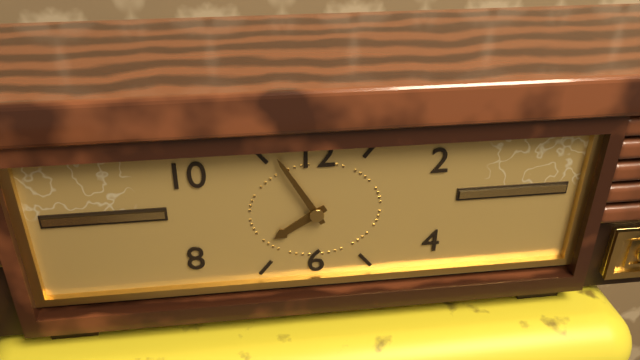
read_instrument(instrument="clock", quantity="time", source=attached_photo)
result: 7:55
